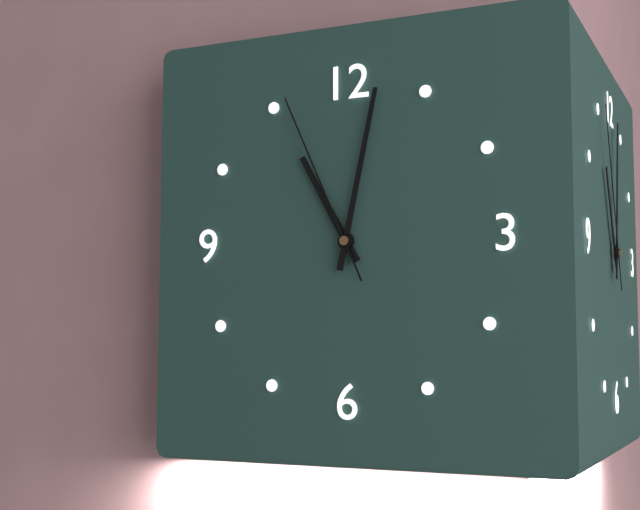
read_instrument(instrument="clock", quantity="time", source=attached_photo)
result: 11:02:56
